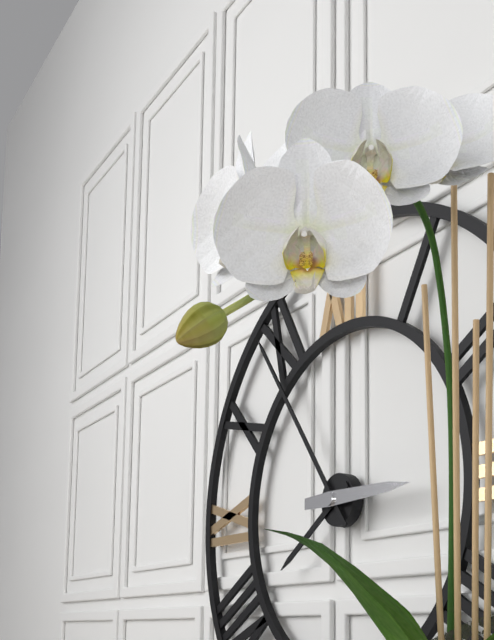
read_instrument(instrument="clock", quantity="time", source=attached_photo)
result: 7:54:15
